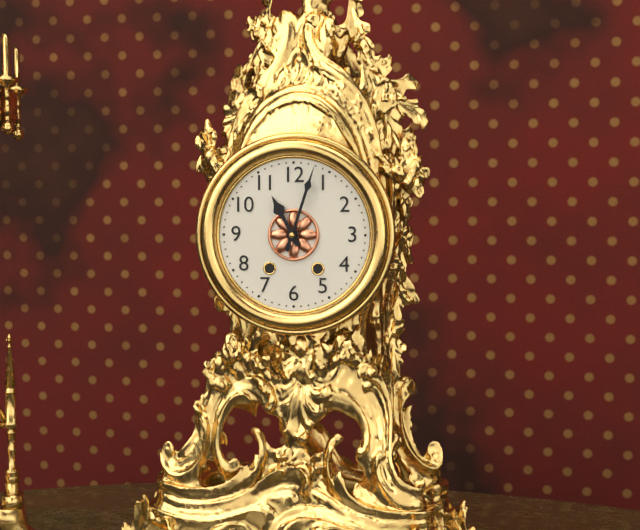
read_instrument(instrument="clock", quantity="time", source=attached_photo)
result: 11:03
